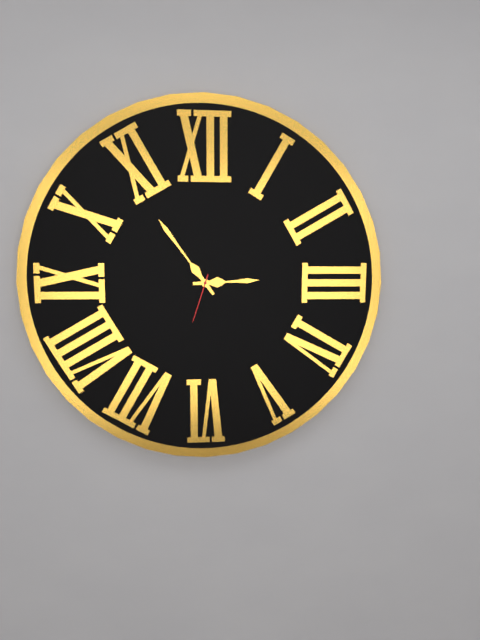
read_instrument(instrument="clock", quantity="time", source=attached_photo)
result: 2:54:33
